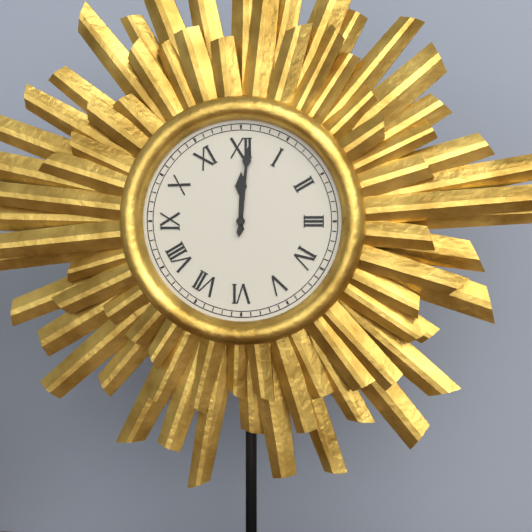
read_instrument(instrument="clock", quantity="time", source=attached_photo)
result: 12:01
